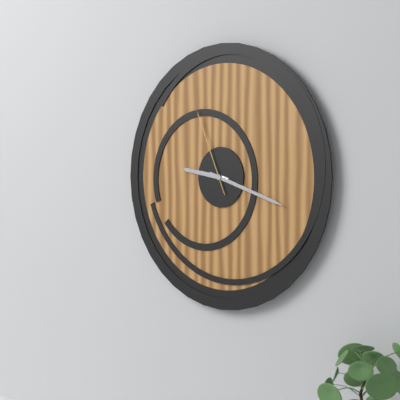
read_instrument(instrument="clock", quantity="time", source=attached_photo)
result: 9:18:56
